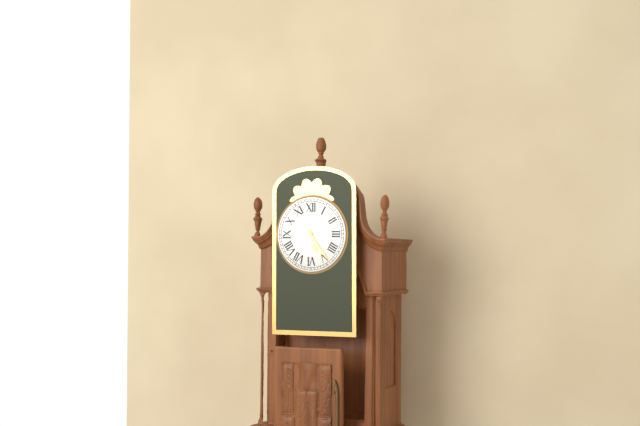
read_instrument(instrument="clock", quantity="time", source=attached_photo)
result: 5:24
